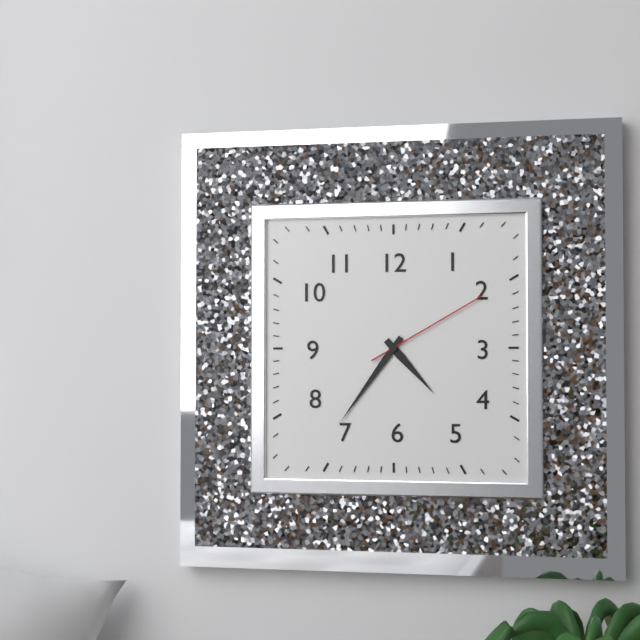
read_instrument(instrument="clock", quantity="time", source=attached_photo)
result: 4:36:10
